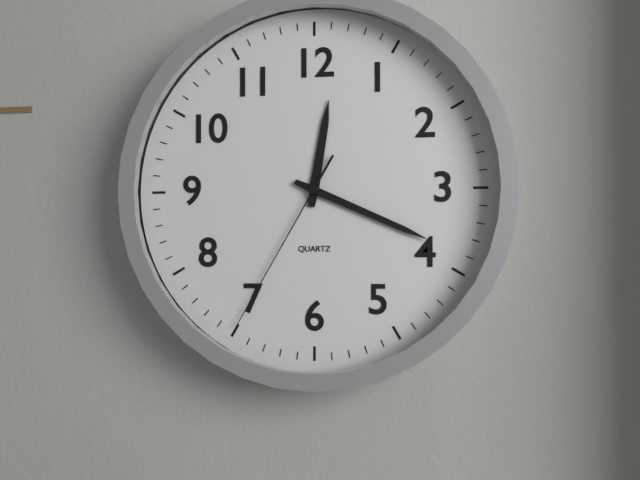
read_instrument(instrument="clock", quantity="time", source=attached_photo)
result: 12:19:35
